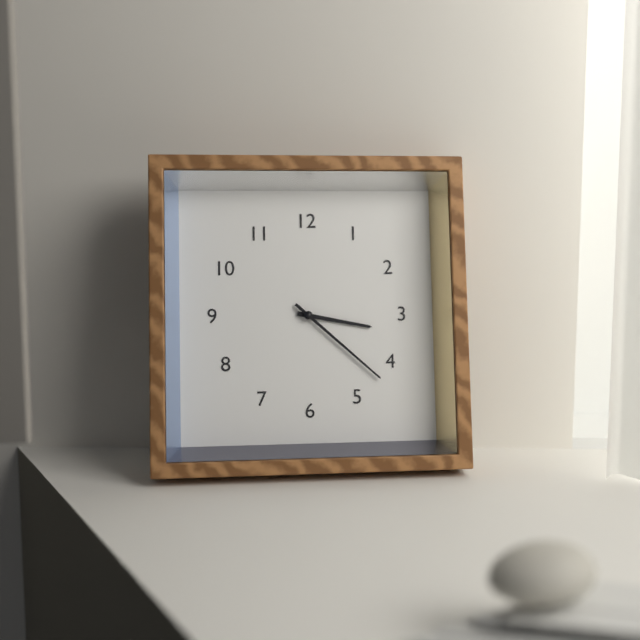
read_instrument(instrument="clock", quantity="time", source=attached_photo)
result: 3:22
